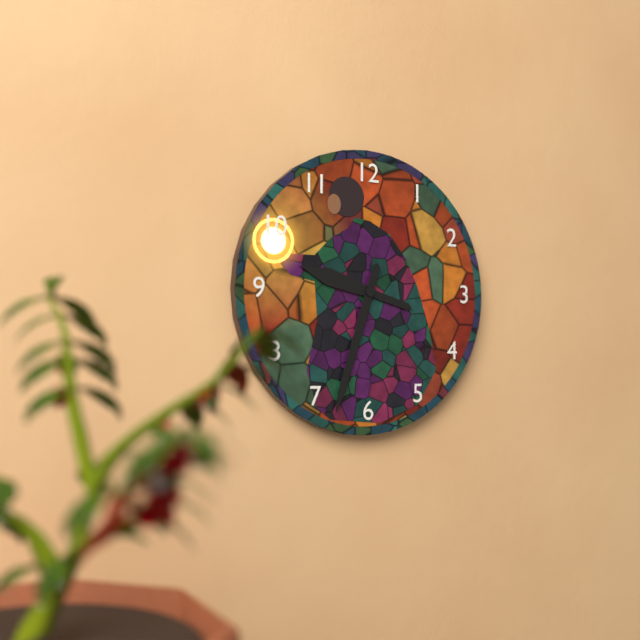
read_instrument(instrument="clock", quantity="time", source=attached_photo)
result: 9:33
